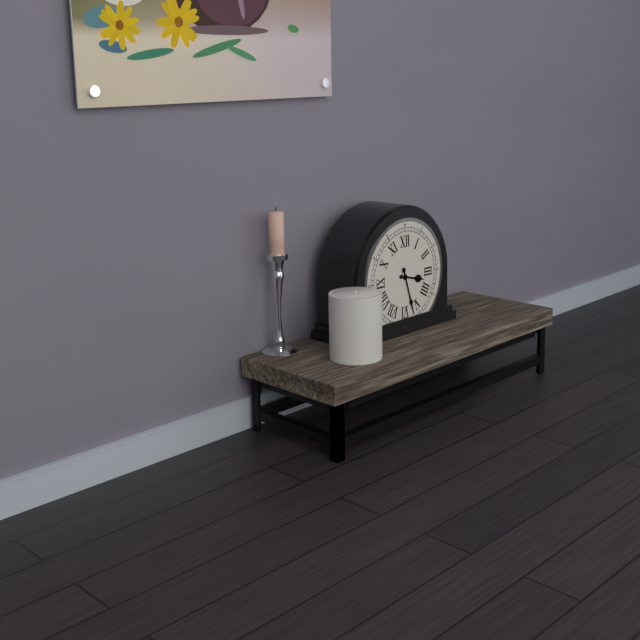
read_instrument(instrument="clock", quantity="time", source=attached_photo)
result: 3:27
